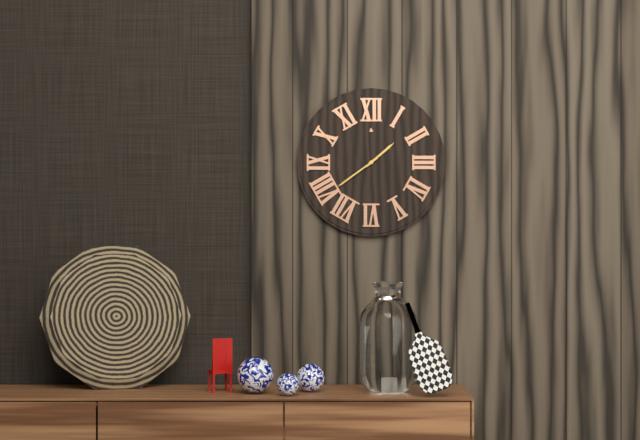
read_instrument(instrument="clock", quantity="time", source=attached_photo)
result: 1:39
